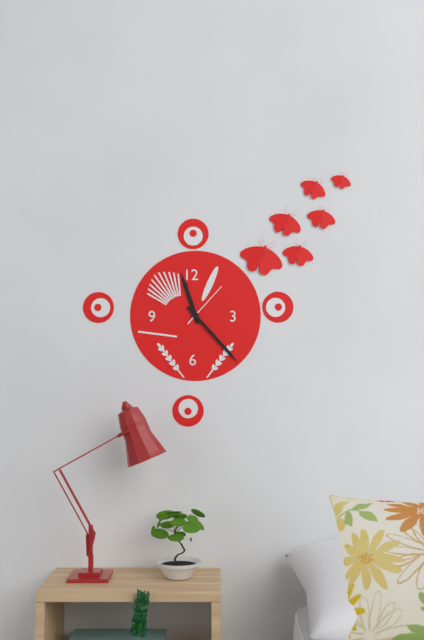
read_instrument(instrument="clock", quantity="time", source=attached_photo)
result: 11:23
